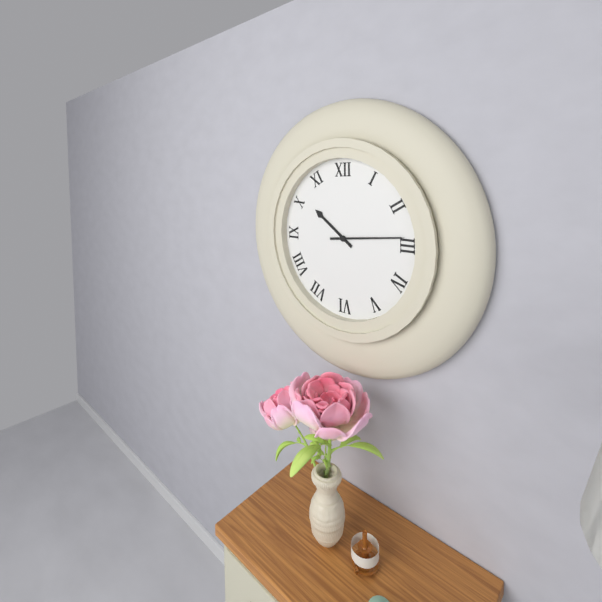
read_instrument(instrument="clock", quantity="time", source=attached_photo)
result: 10:14
